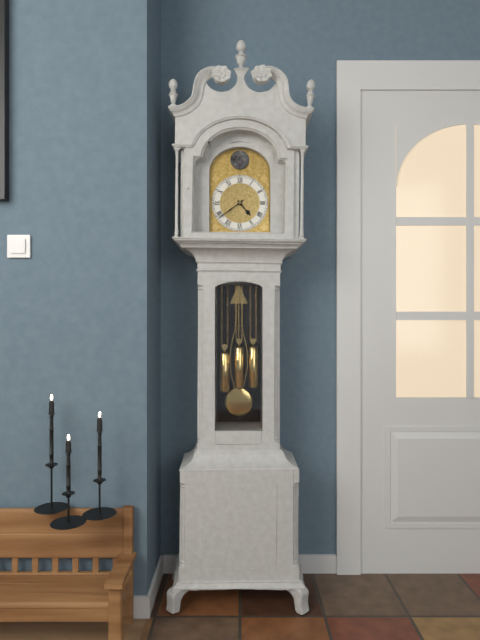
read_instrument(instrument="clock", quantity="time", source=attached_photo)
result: 4:39
